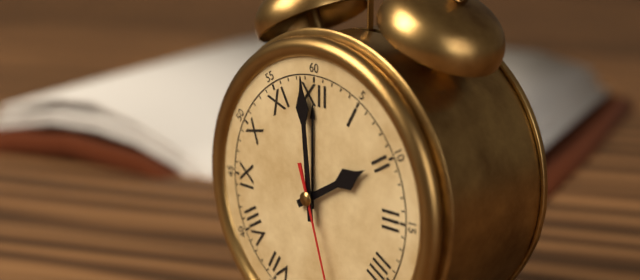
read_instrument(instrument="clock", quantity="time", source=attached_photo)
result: 1:59
